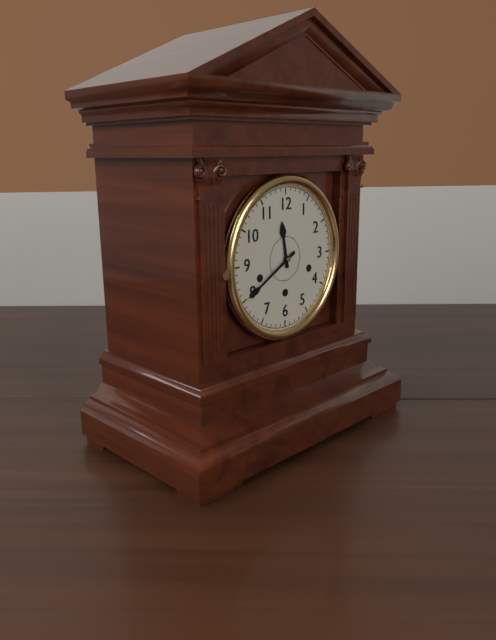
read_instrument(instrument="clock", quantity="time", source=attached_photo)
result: 11:40
